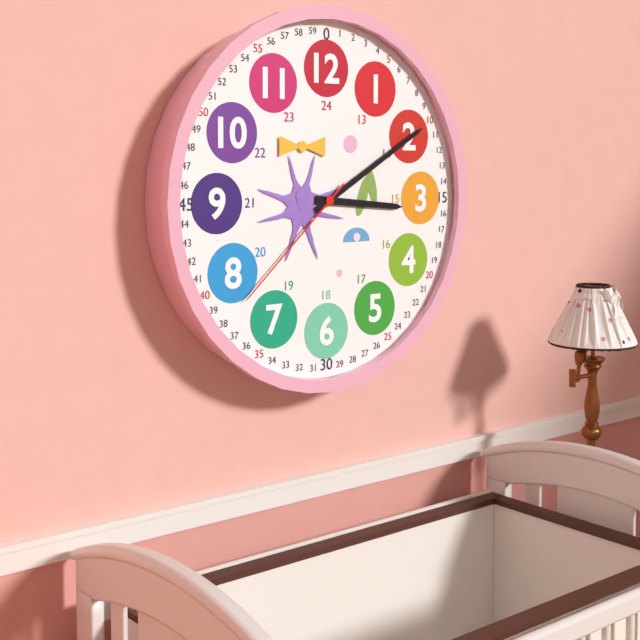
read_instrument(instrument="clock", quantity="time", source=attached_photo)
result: 3:10:38
